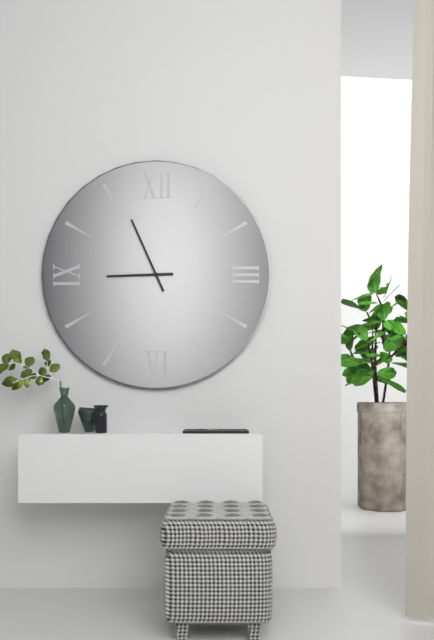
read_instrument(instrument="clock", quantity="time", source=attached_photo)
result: 8:56
